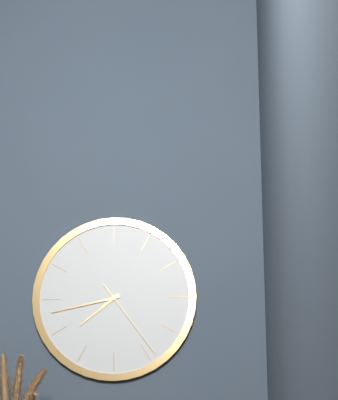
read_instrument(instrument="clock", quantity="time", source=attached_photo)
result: 7:43:24
